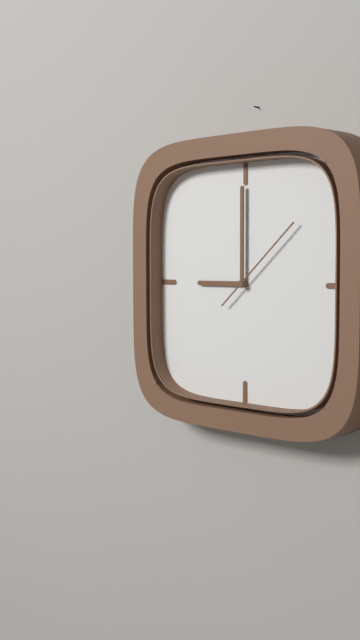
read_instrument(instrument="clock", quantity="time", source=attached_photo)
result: 9:00:08
